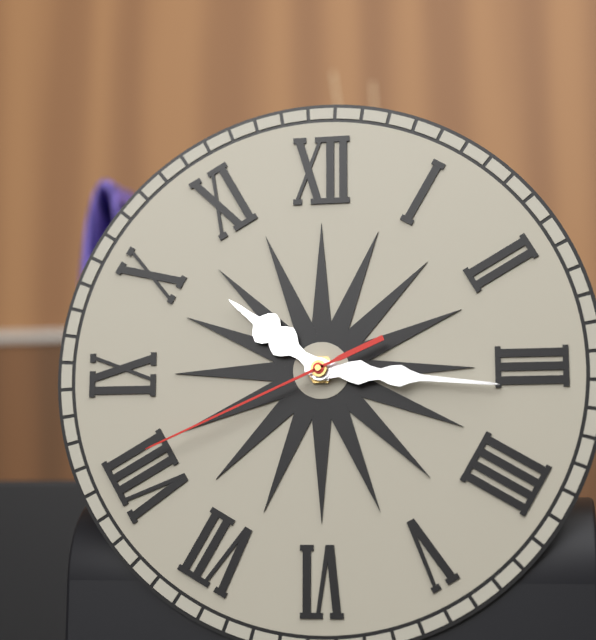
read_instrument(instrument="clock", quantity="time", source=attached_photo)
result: 10:16:41
